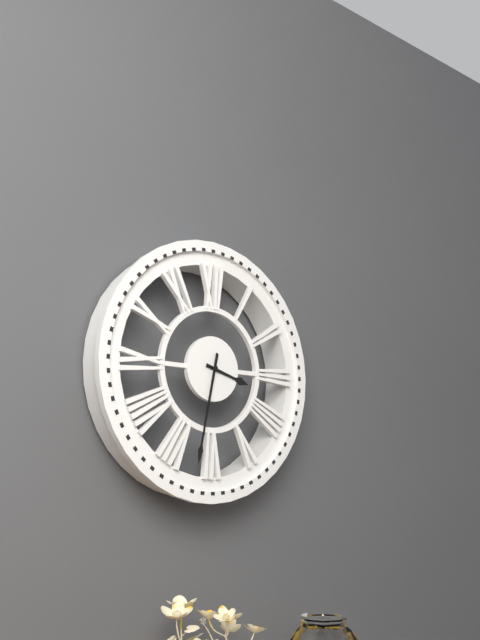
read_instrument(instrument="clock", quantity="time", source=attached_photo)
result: 3:32
